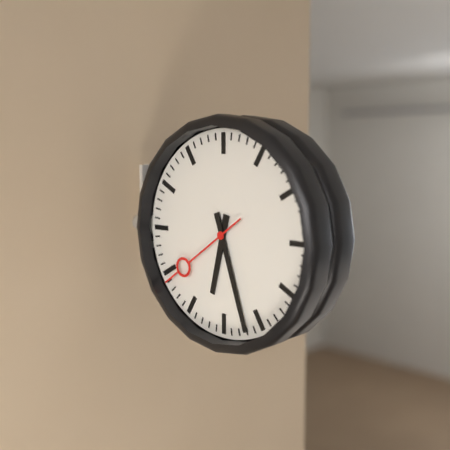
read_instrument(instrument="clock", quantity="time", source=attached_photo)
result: 6:27:39
